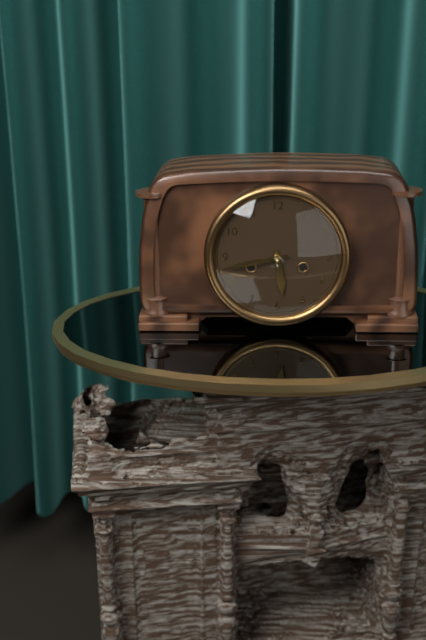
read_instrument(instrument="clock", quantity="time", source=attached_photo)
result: 5:43
